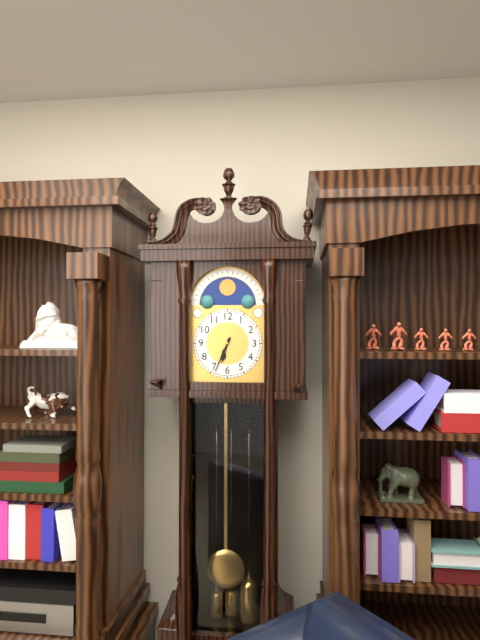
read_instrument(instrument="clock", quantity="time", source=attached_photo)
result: 6:34
